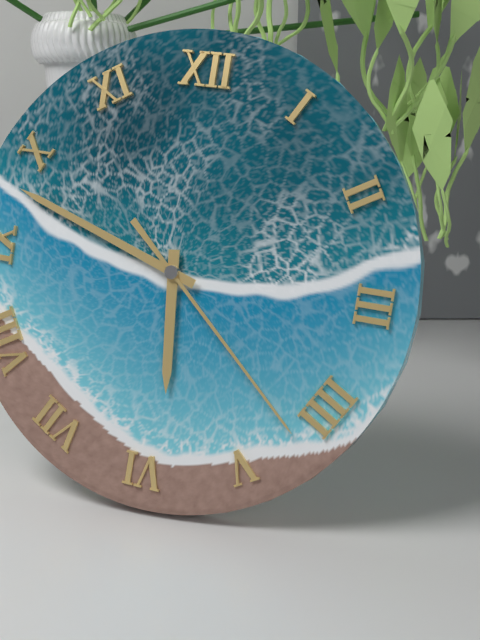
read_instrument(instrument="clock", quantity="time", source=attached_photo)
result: 5:48:22
